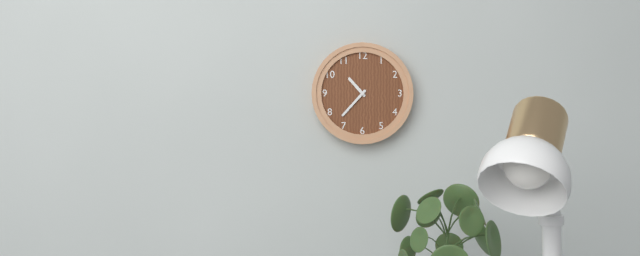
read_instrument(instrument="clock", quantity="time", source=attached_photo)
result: 10:37
